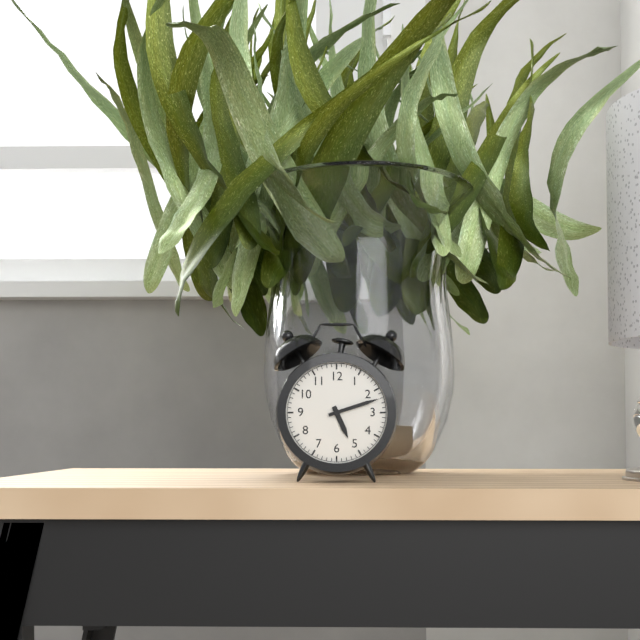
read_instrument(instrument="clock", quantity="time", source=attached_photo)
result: 5:12
